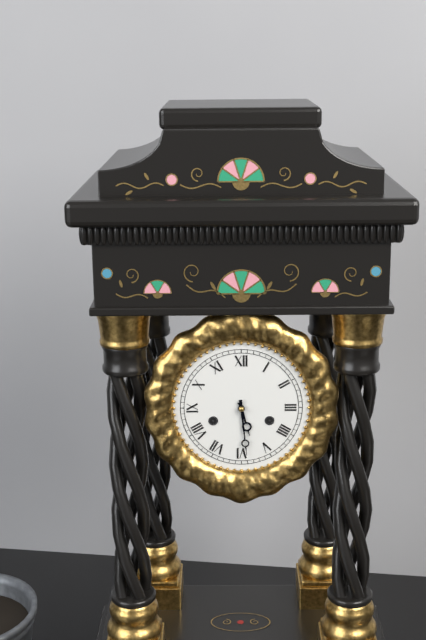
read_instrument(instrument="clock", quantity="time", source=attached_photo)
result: 5:29
